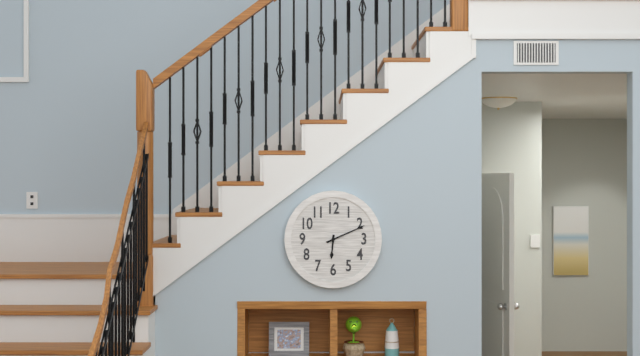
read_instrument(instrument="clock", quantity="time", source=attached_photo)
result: 6:11
